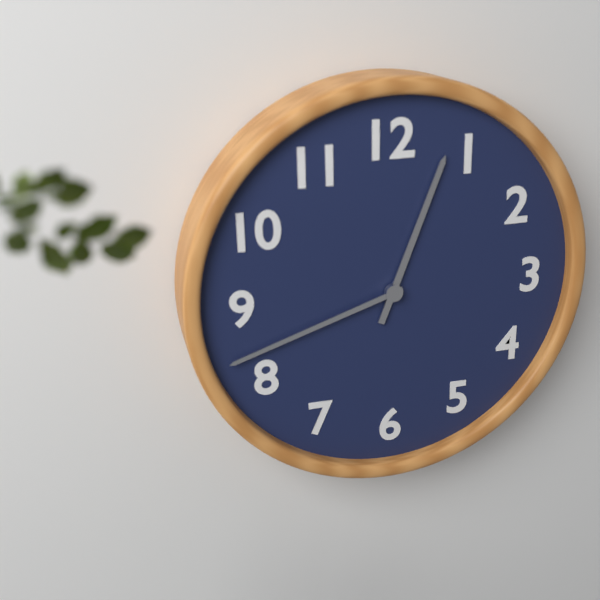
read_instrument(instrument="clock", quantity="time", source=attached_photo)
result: 12:42
